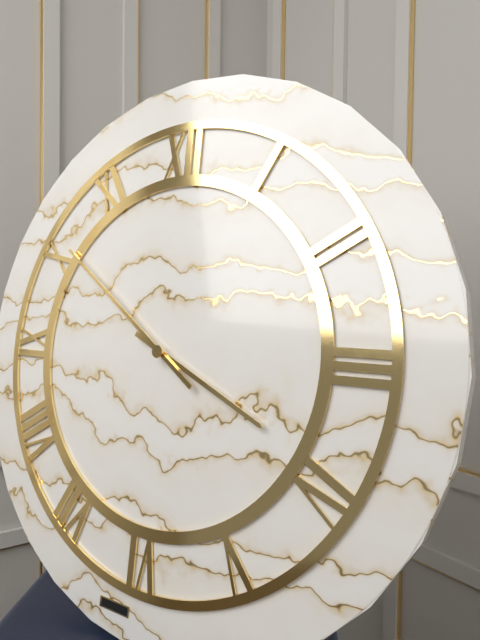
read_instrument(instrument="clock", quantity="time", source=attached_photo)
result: 3:51
